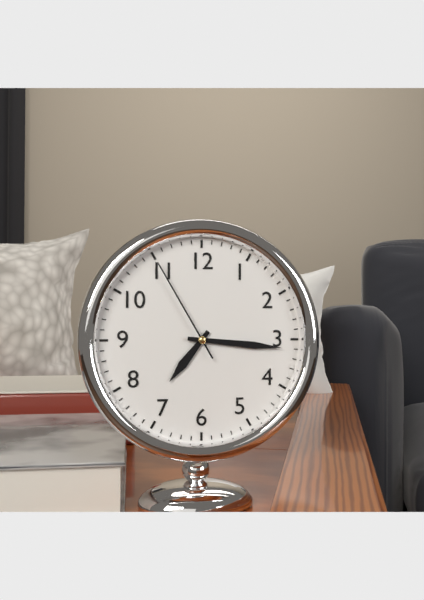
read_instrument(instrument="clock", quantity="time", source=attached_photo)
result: 7:16:55
